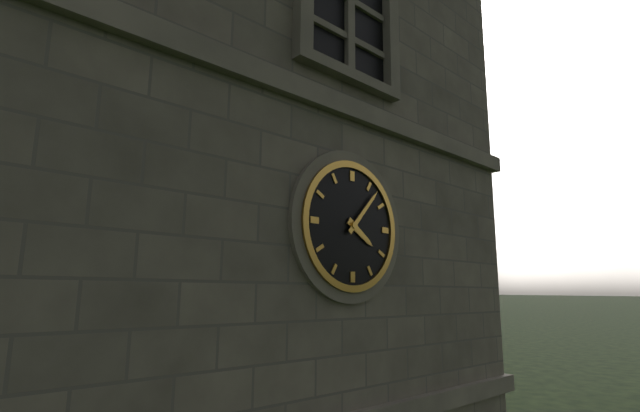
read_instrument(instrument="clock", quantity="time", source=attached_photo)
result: 4:07
